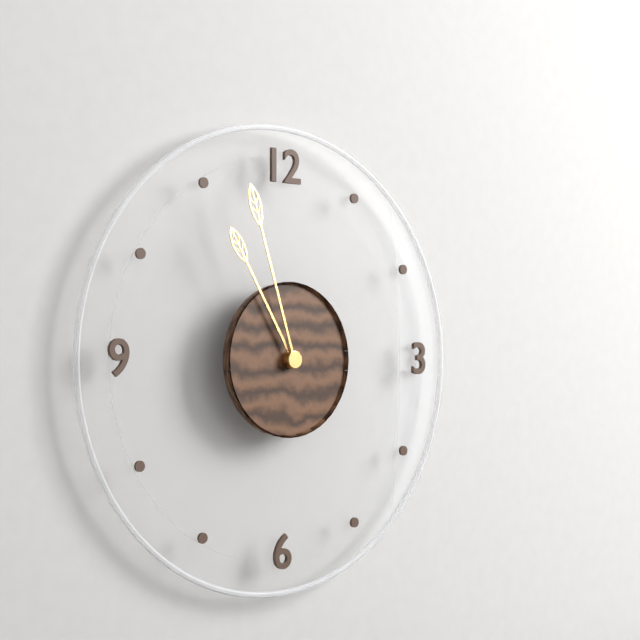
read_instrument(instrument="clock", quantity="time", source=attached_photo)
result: 10:57
